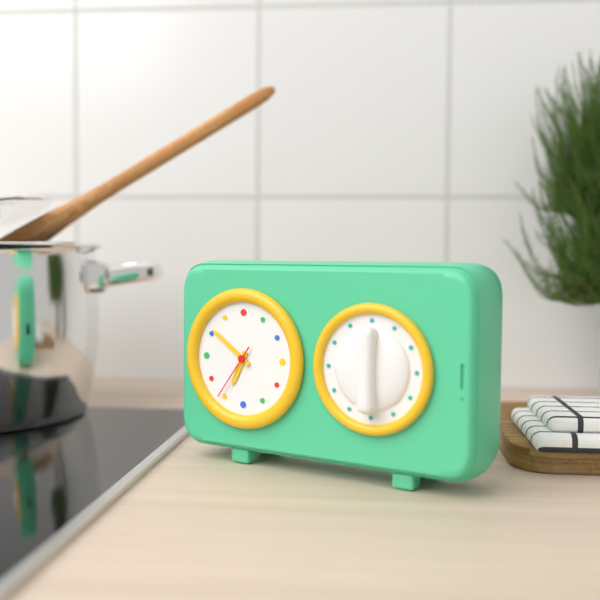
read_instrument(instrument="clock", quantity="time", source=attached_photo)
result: 6:51:36
